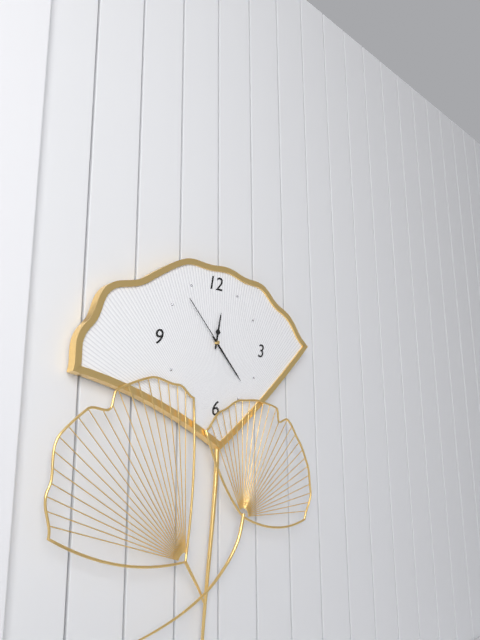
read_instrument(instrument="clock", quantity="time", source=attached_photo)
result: 12:23:53
